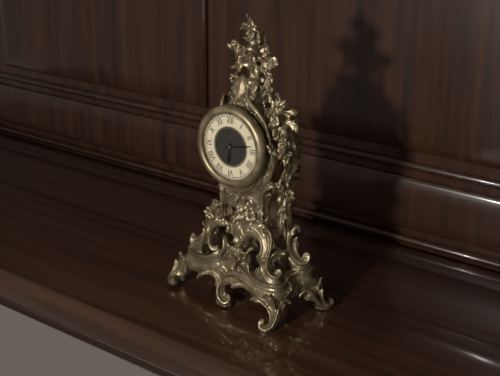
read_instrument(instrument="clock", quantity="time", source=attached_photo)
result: 6:13
